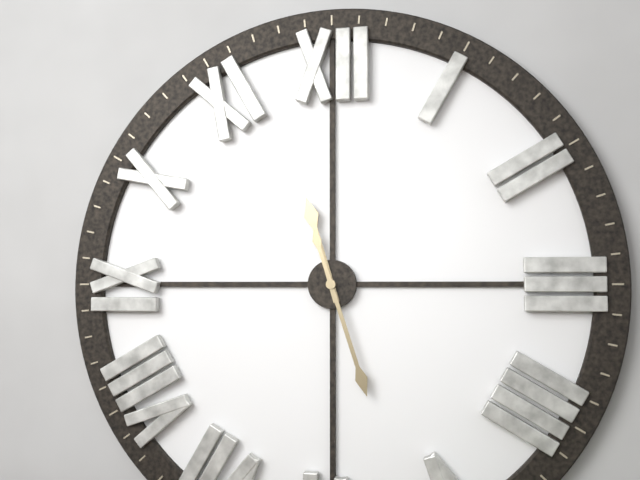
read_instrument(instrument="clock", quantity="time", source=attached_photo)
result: 11:27
